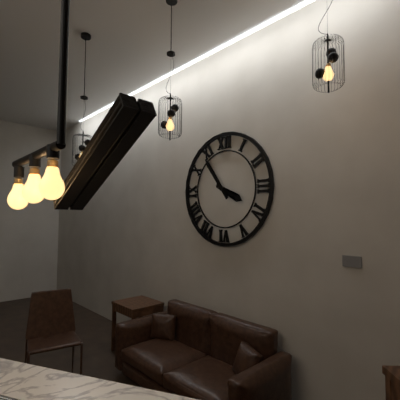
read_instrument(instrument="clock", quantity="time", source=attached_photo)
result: 3:54
